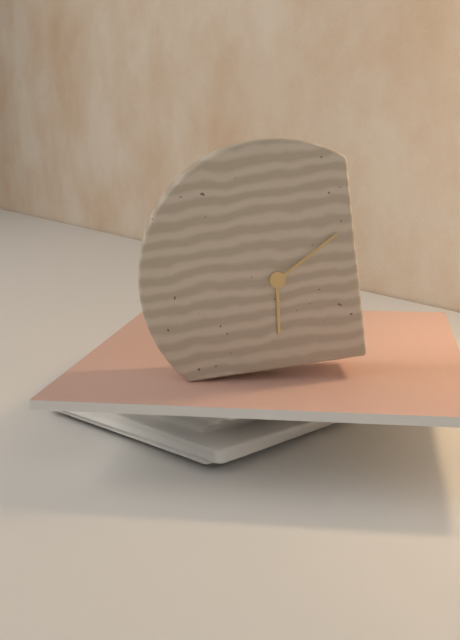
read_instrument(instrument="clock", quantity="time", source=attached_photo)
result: 6:10
